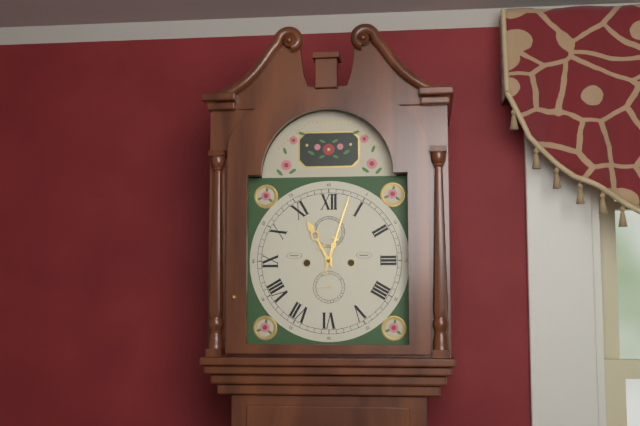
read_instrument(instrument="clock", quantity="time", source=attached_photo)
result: 11:03
